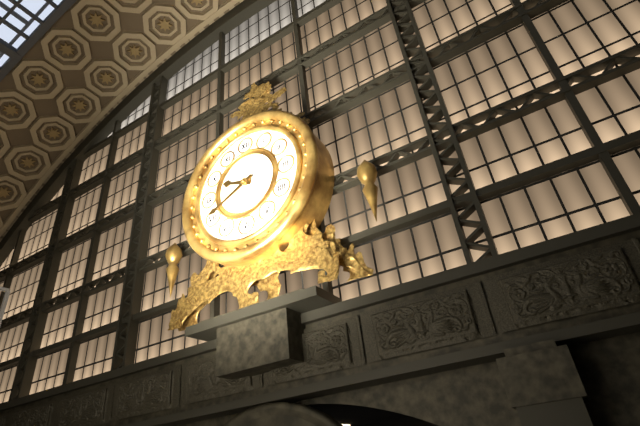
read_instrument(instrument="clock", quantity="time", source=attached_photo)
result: 9:41
